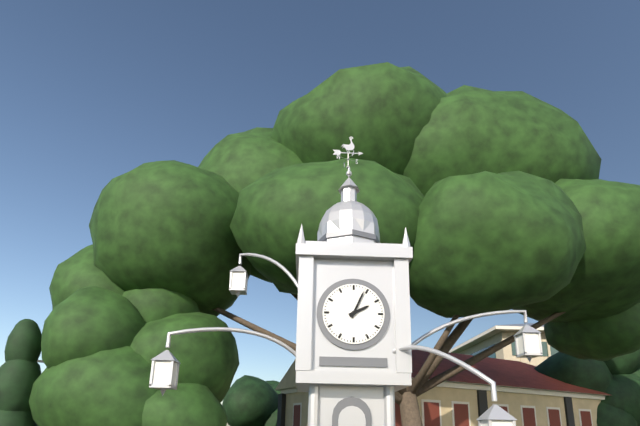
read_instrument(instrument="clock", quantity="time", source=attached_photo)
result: 2:04
